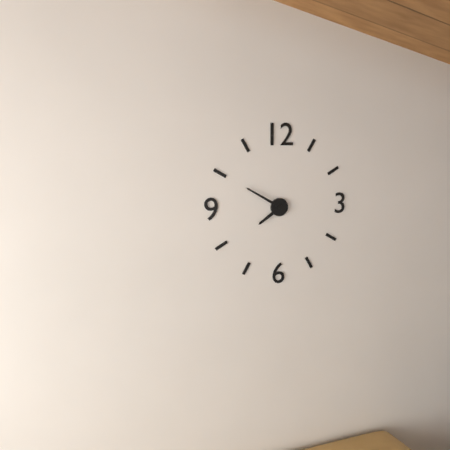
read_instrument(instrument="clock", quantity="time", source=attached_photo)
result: 7:50
